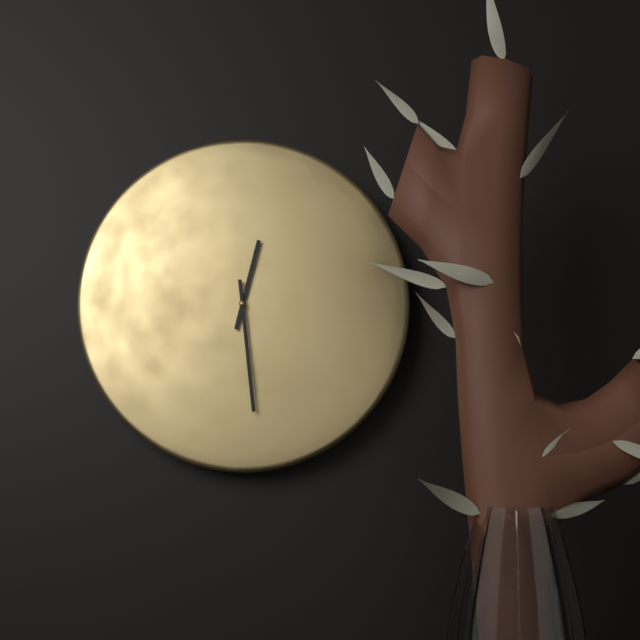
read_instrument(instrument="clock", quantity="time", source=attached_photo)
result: 12:29
